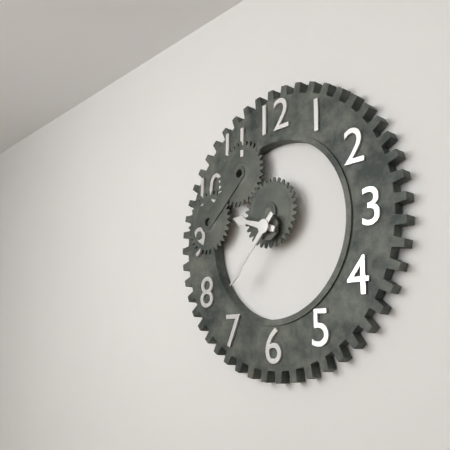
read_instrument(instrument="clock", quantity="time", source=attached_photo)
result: 9:37
